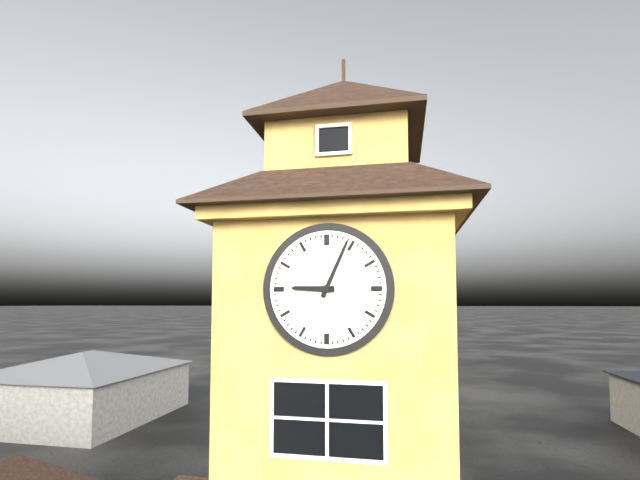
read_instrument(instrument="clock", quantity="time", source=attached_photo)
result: 9:04
